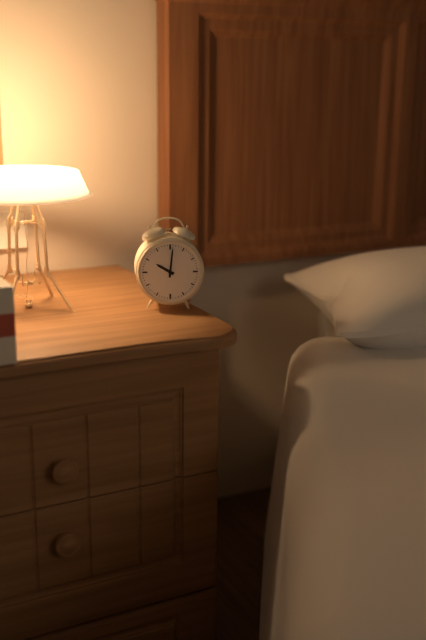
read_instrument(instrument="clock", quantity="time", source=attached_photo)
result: 10:01
